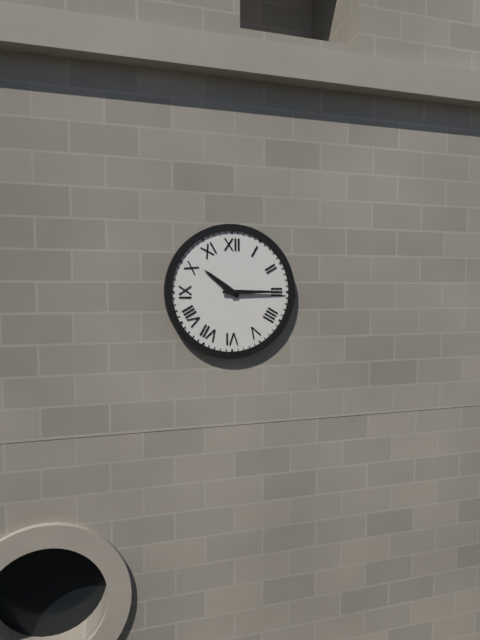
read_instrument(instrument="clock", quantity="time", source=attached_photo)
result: 10:15
